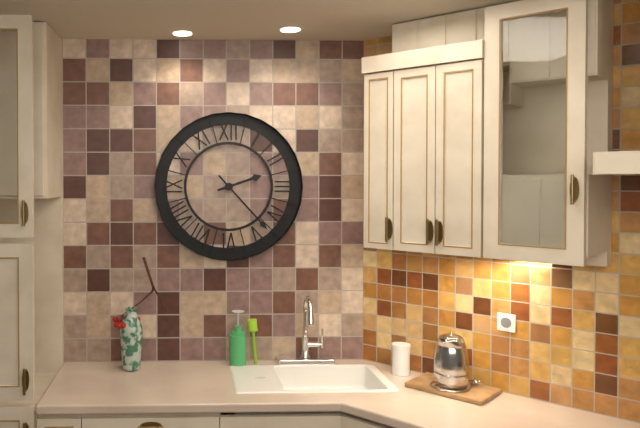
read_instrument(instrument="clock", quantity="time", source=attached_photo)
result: 2:23
